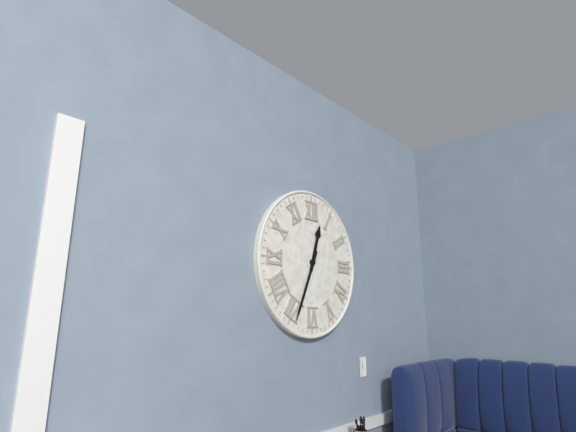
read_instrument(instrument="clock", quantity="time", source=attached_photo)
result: 12:34
